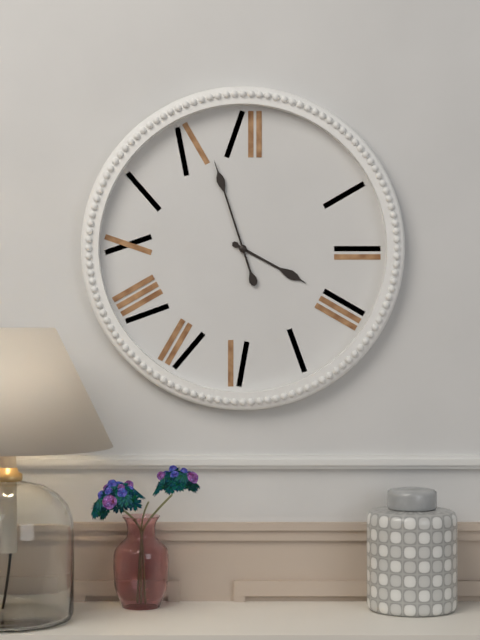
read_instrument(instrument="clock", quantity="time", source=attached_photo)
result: 3:57
